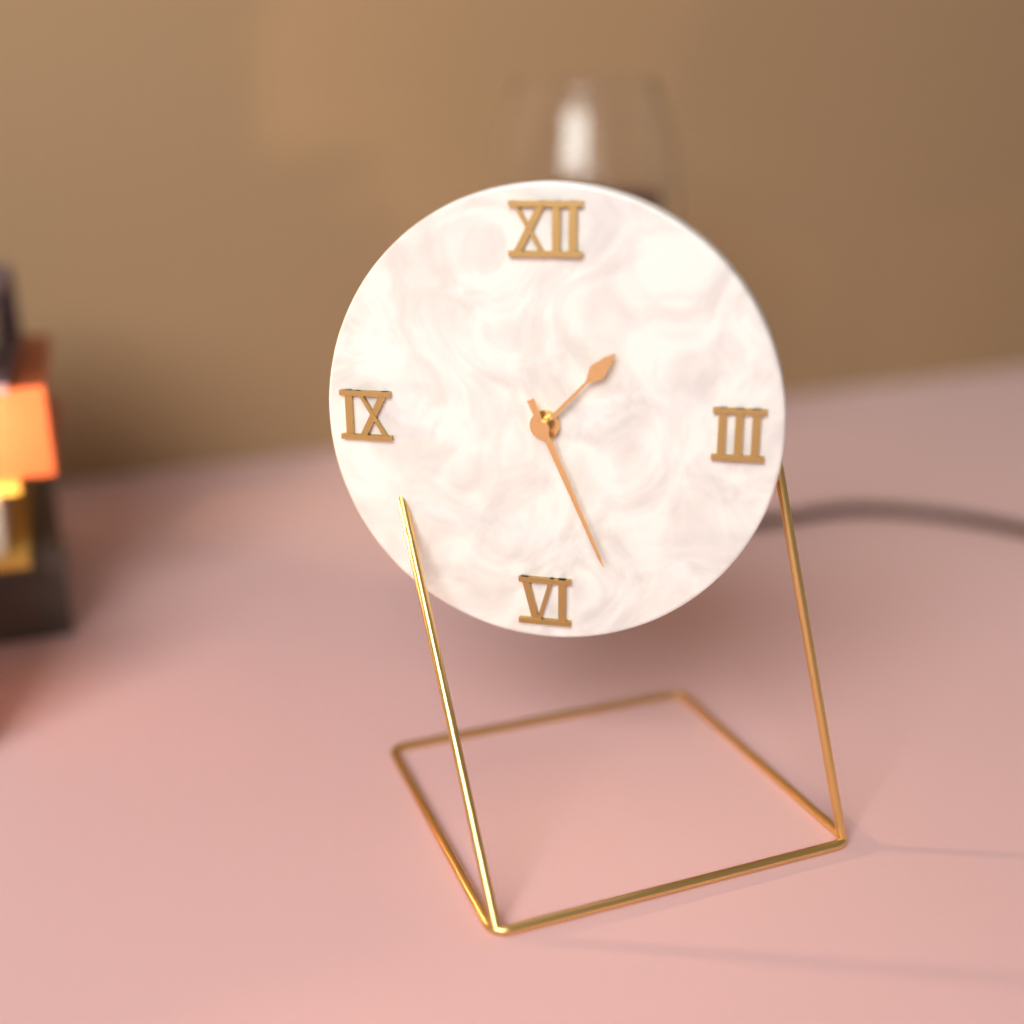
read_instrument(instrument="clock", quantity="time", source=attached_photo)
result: 1:26
